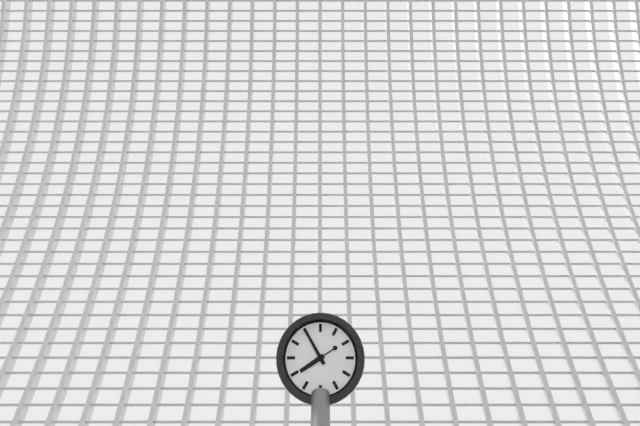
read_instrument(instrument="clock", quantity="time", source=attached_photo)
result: 7:55
